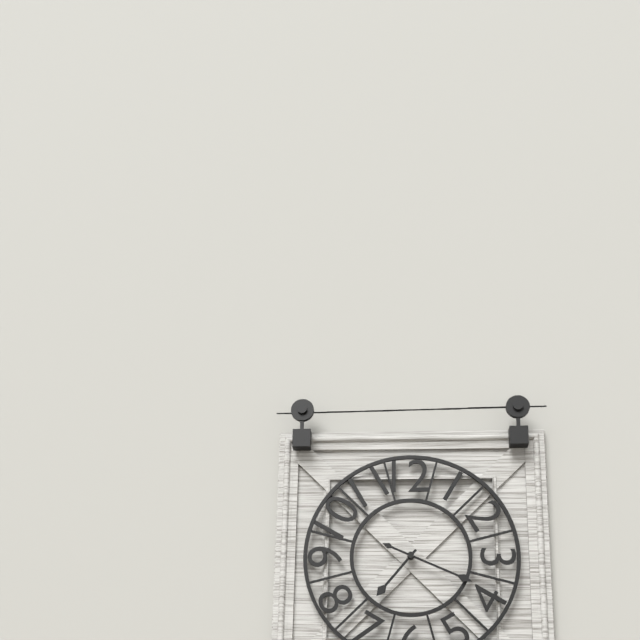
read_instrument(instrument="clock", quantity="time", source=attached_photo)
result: 7:19
